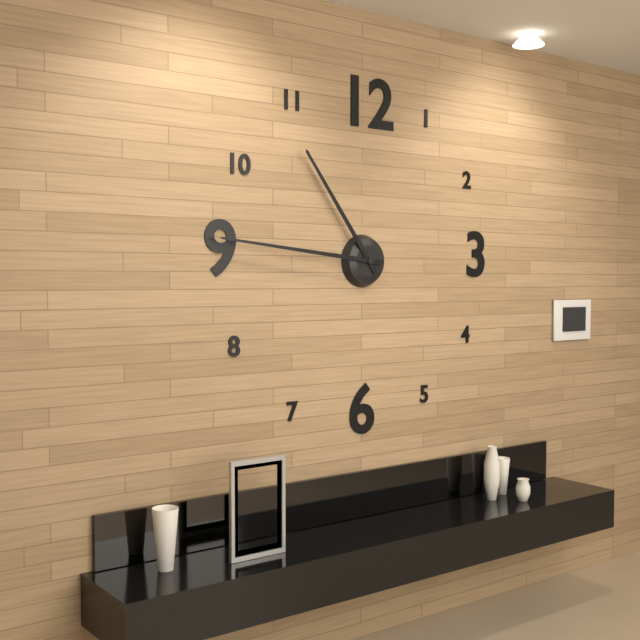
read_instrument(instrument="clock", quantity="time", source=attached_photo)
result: 10:46
